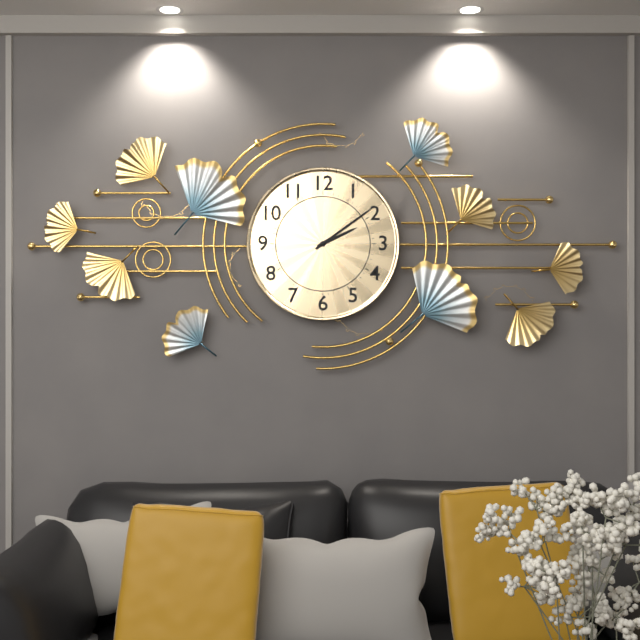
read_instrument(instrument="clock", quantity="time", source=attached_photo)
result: 2:09
